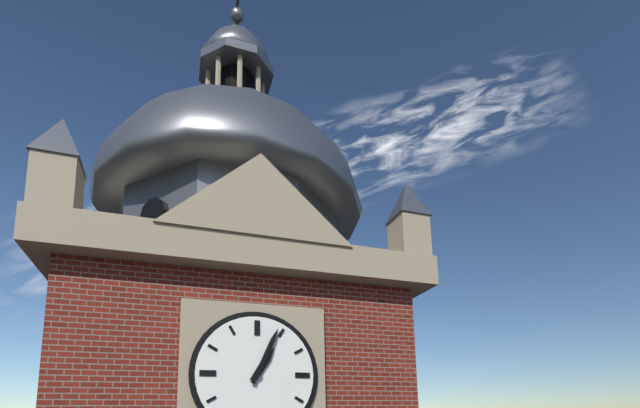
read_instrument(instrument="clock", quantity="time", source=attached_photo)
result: 1:04
